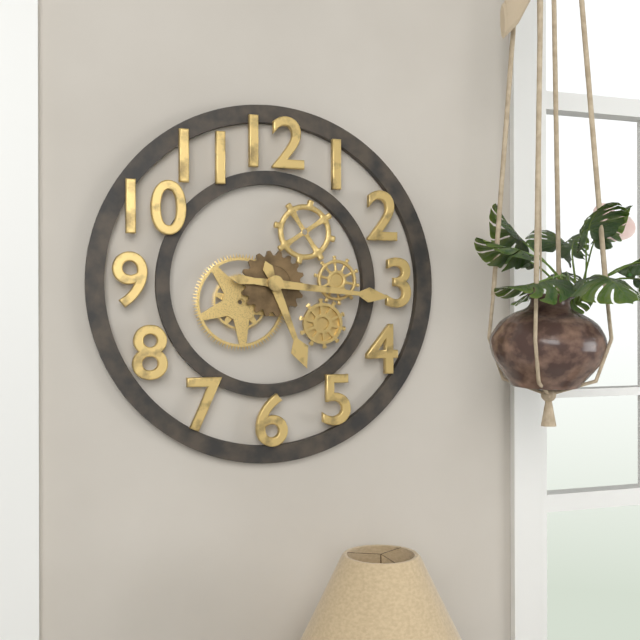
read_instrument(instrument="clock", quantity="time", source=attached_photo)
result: 5:16
